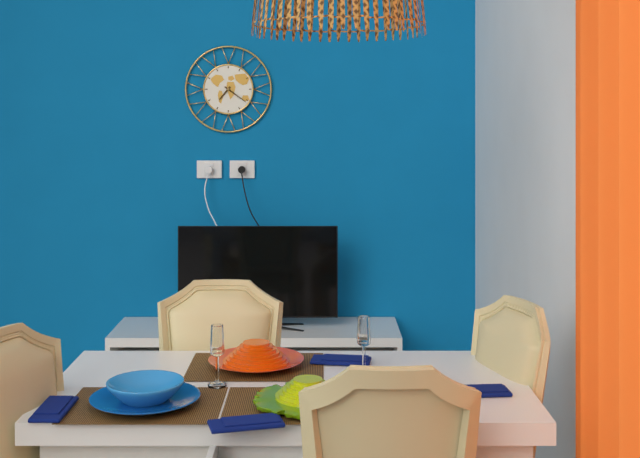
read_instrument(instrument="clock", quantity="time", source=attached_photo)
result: 7:21
